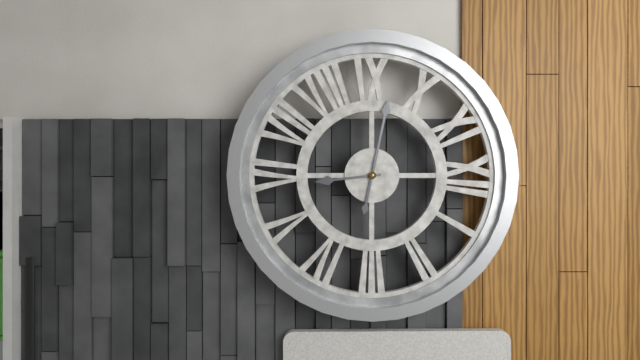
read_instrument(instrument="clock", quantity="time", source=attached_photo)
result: 5:47
